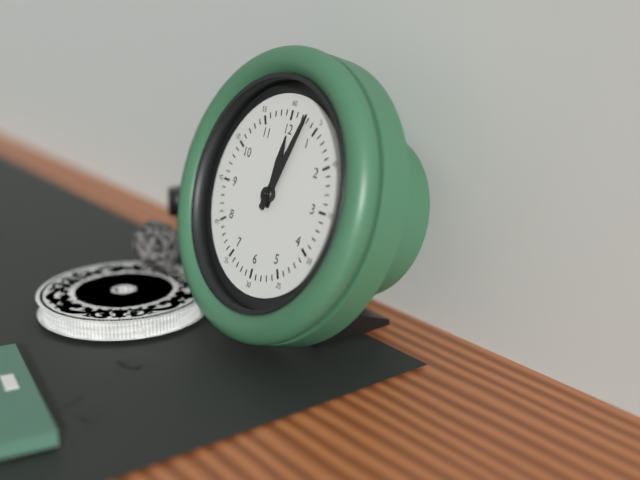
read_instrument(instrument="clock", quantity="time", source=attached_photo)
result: 12:03
